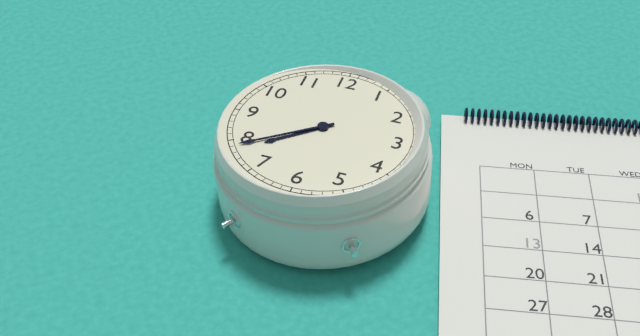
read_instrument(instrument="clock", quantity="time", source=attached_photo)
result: 7:39
